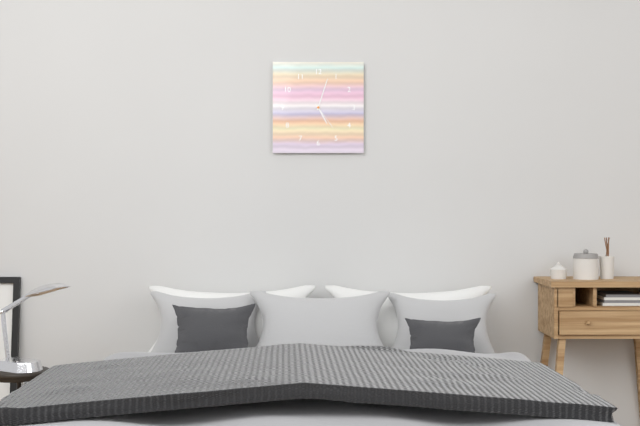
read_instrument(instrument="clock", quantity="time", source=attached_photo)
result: 5:03
